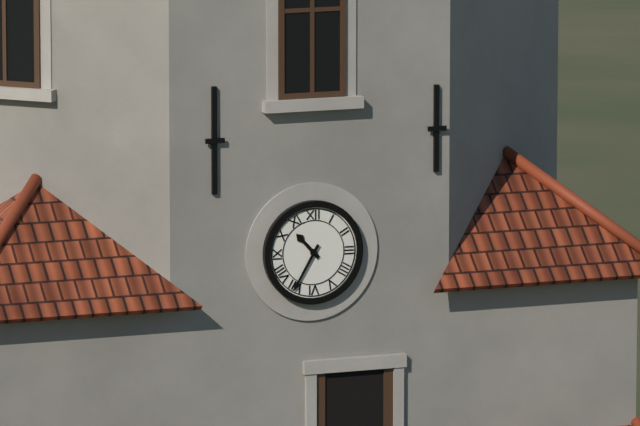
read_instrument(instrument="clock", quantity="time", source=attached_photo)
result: 10:35
